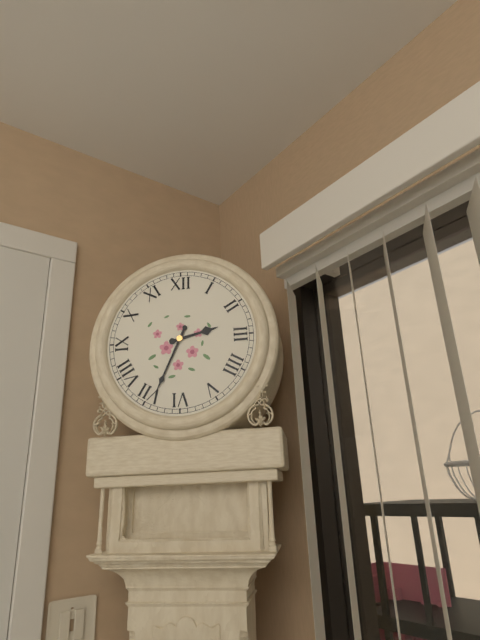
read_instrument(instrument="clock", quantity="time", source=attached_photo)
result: 2:34
